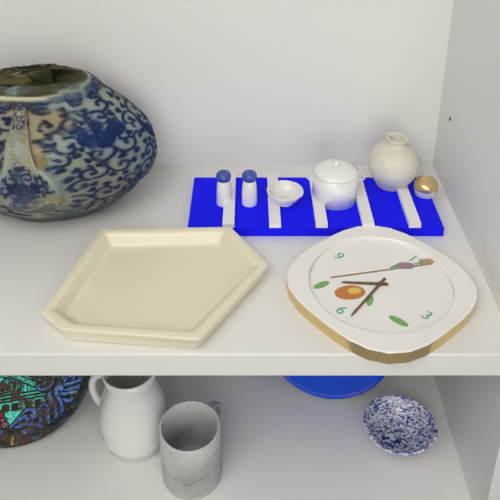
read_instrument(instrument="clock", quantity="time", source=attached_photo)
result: 7:28
